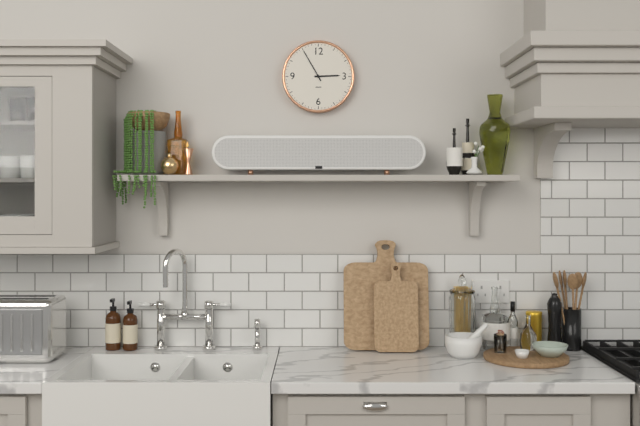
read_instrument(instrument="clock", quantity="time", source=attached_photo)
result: 2:55
